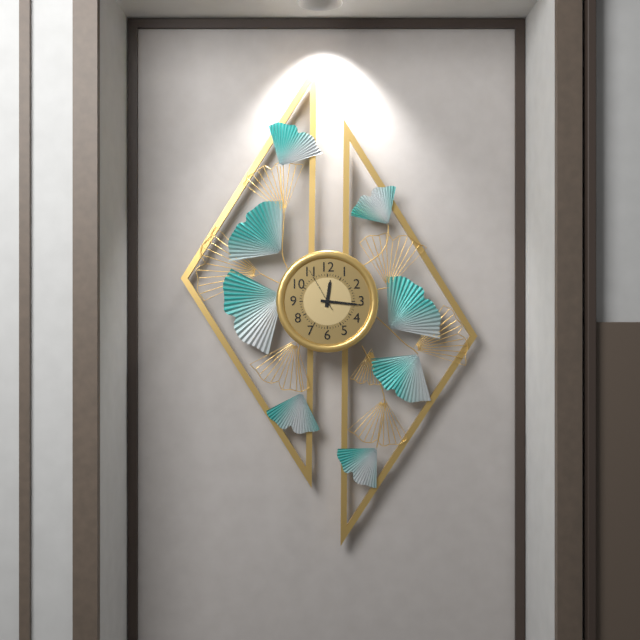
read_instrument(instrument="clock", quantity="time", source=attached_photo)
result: 12:16
